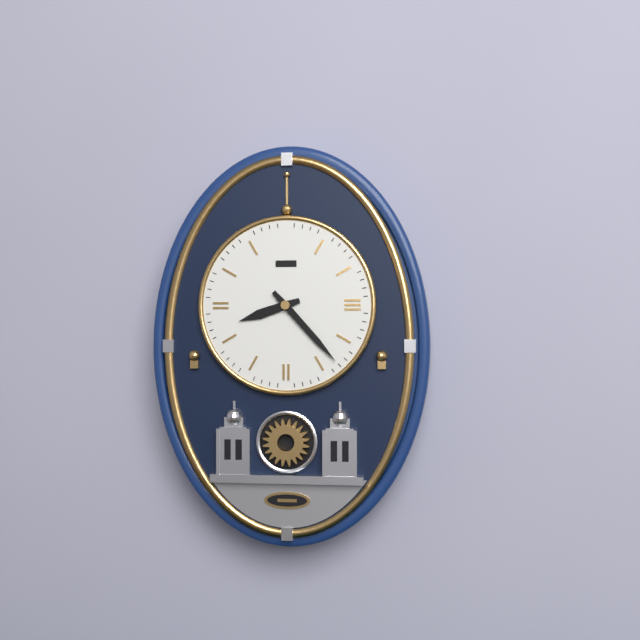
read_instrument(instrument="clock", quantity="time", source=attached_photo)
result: 8:23
